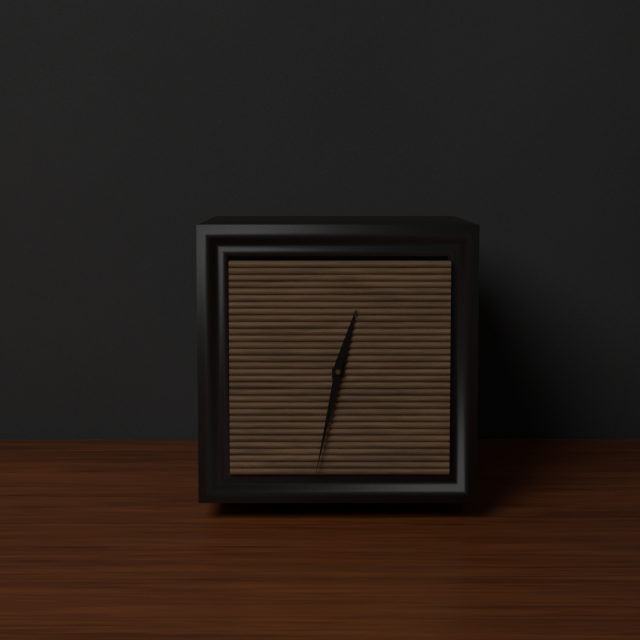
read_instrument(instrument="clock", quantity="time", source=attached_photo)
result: 12:32
